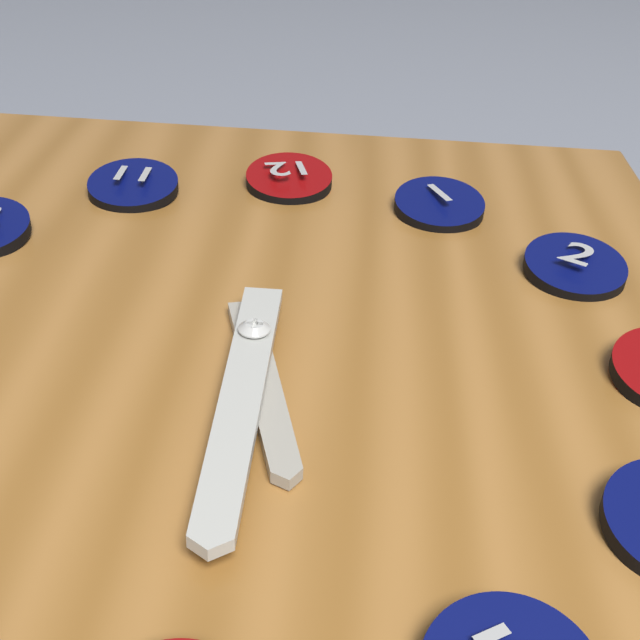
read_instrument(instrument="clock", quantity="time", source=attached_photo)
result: 5:30
